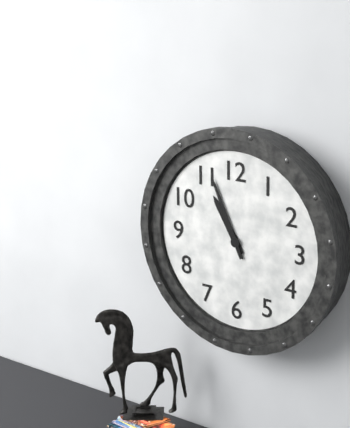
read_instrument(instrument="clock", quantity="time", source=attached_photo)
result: 10:56
